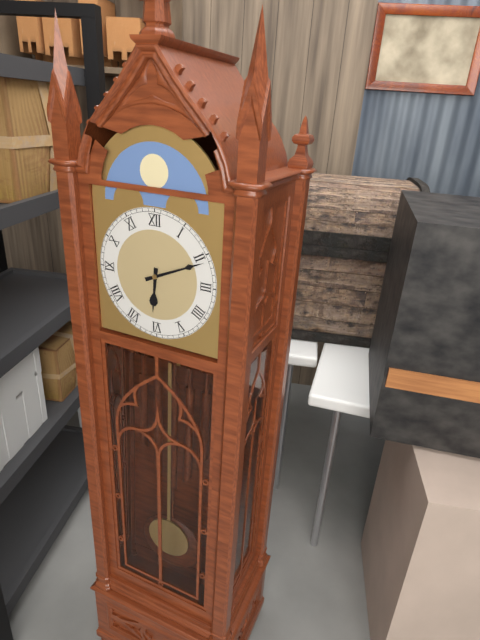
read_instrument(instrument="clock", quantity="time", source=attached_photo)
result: 6:11
